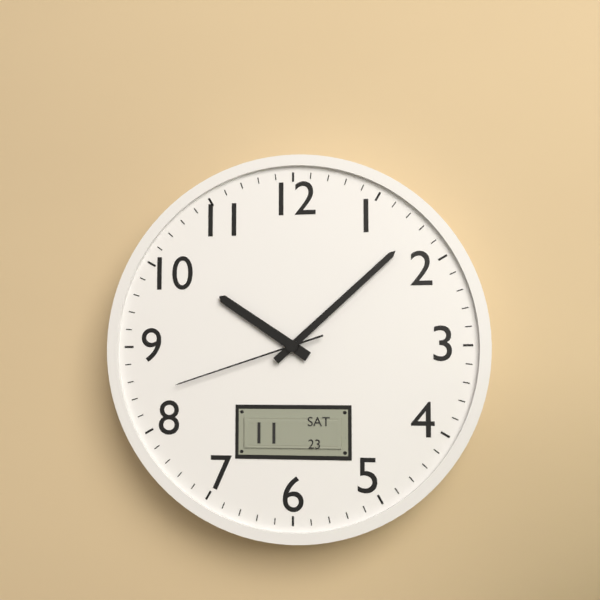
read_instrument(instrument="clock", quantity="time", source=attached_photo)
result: 10:08:42
